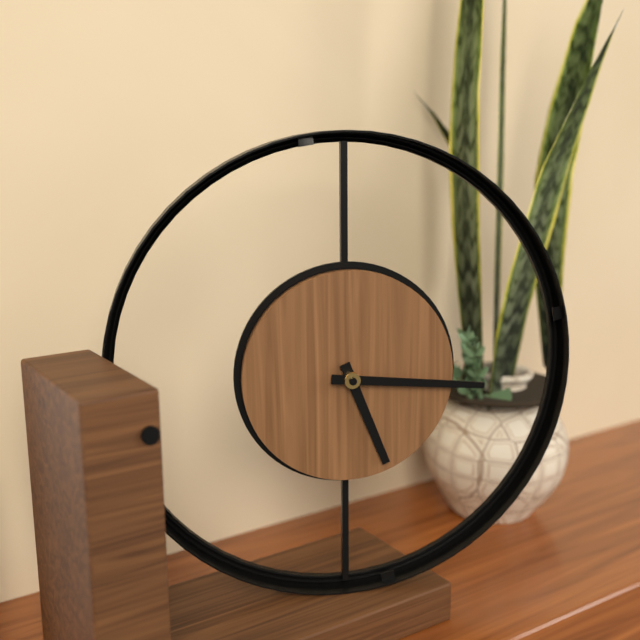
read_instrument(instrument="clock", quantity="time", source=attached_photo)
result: 5:16
